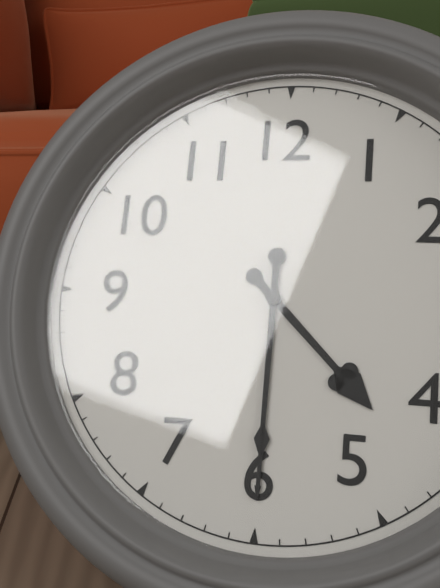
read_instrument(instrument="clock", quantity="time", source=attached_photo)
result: 4:30
